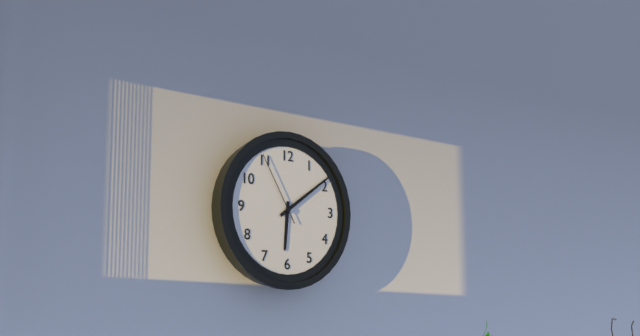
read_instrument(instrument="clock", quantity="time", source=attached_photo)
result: 6:09:55
